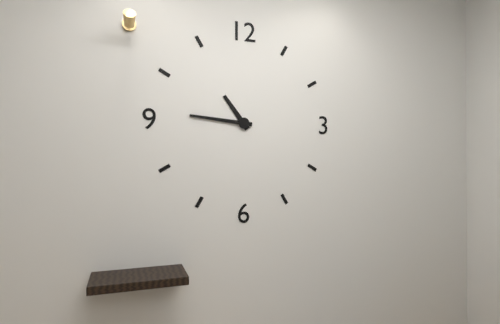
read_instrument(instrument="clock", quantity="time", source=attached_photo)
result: 10:46
